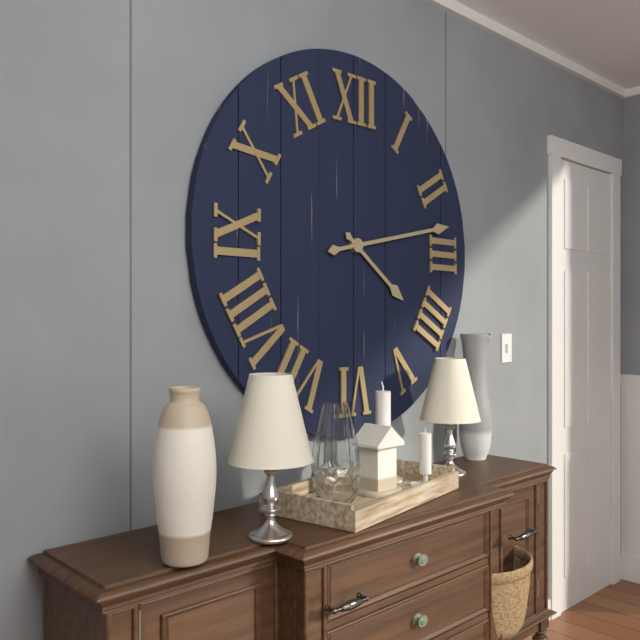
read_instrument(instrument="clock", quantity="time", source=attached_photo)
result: 4:13
